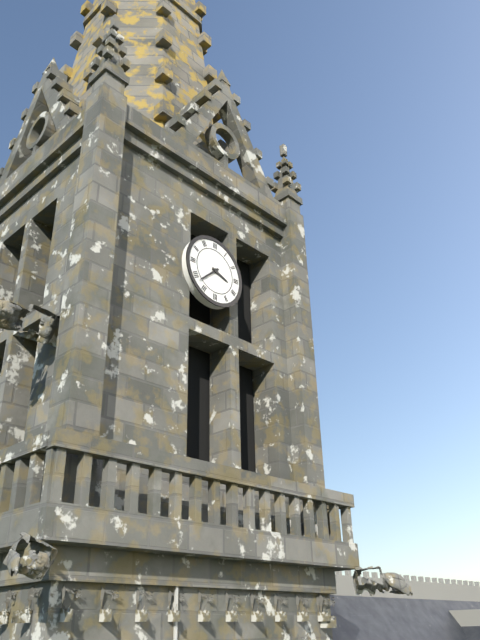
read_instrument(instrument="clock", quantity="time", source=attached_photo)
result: 3:38
